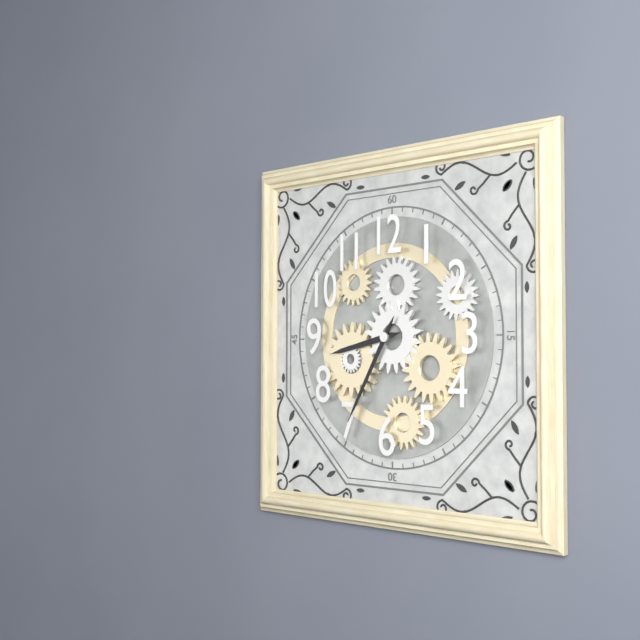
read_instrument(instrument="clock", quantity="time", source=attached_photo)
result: 8:35
